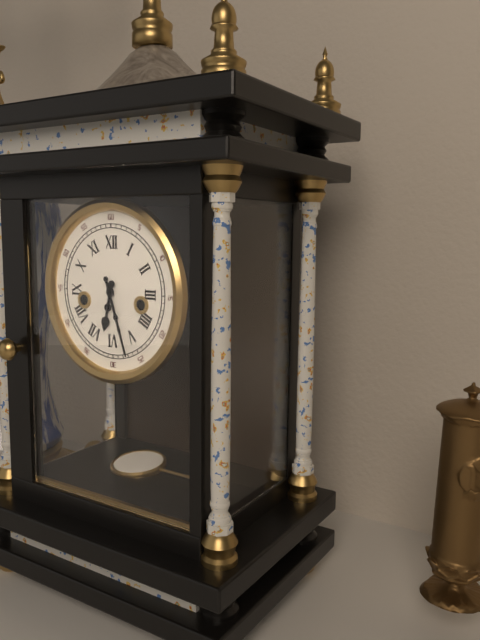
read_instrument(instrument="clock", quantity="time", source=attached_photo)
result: 6:27
